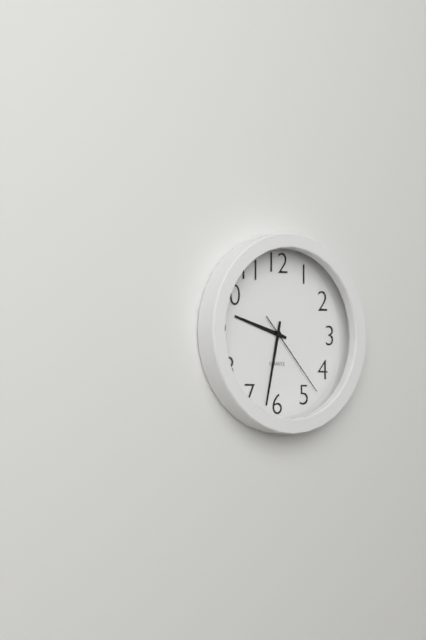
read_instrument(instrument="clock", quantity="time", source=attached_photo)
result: 9:32:23
